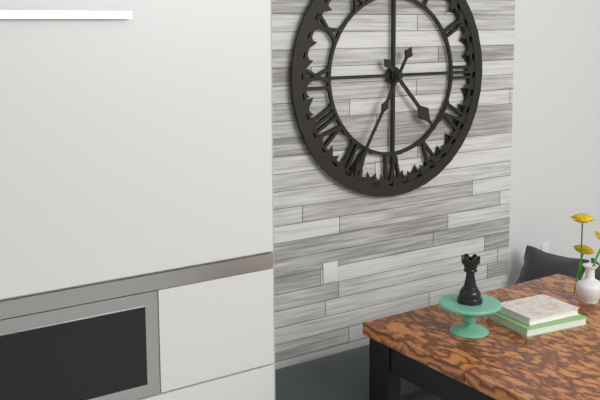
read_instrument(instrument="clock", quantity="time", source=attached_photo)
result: 4:35
